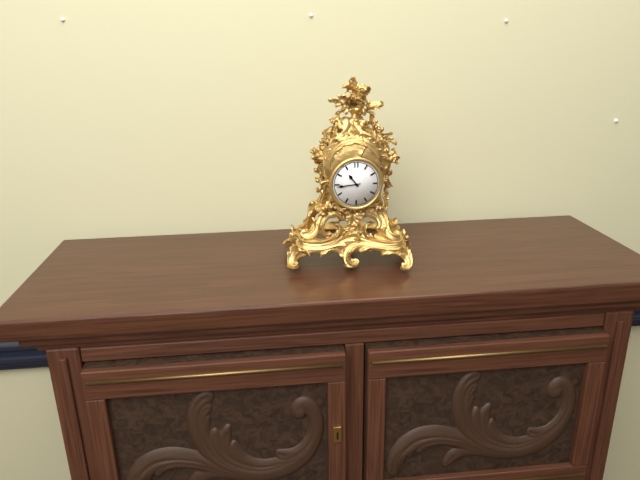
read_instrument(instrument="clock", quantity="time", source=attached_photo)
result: 10:44
